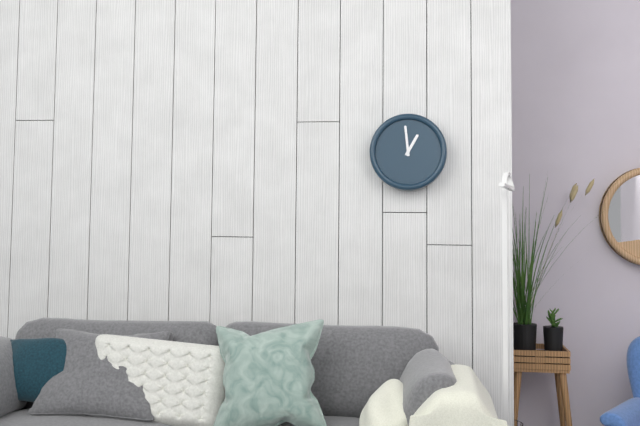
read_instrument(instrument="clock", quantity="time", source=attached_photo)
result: 12:59
